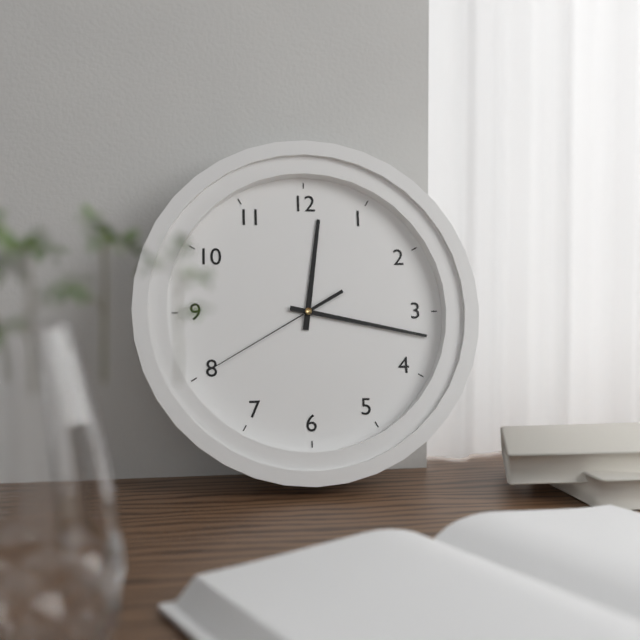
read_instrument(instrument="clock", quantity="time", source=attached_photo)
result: 12:17:40
